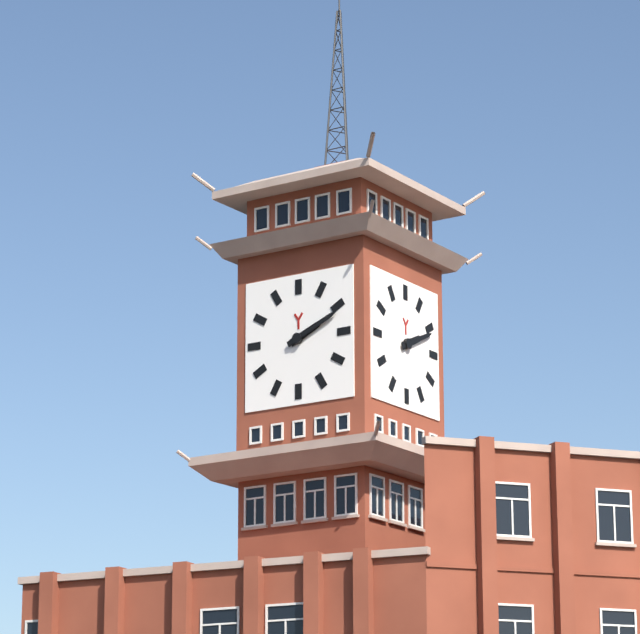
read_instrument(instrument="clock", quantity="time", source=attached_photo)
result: 2:11
